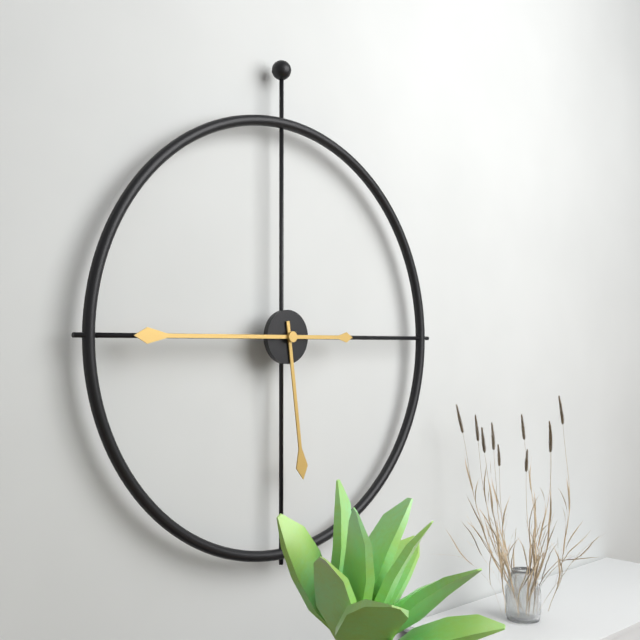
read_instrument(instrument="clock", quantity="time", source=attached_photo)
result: 5:45
